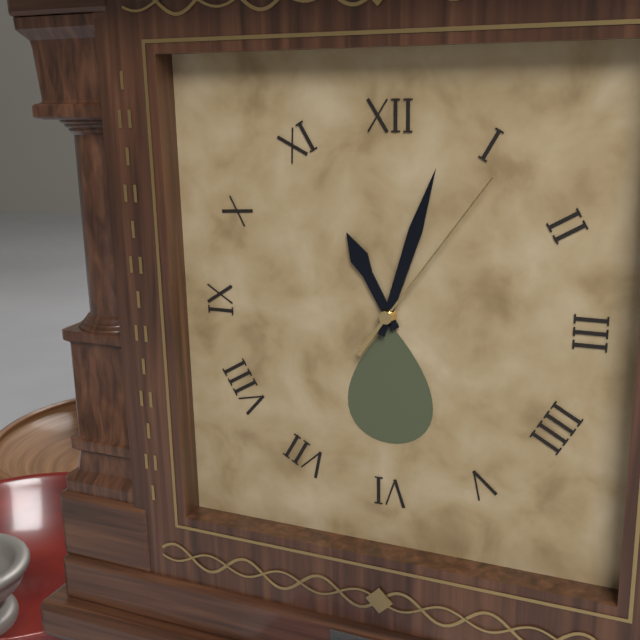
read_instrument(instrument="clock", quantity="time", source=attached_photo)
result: 11:03:06
